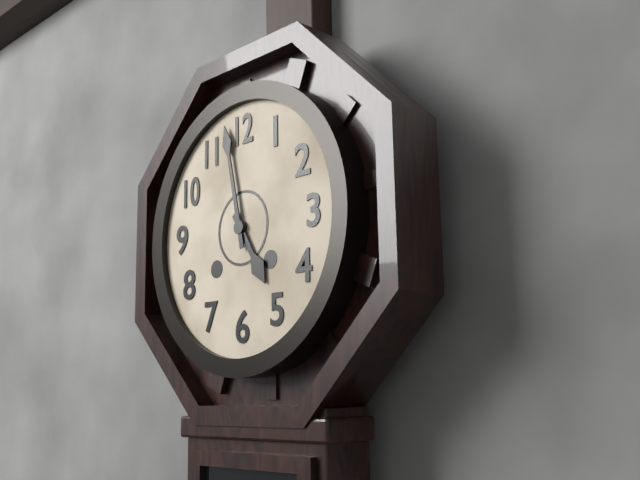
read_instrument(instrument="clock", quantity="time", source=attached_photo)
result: 4:58
